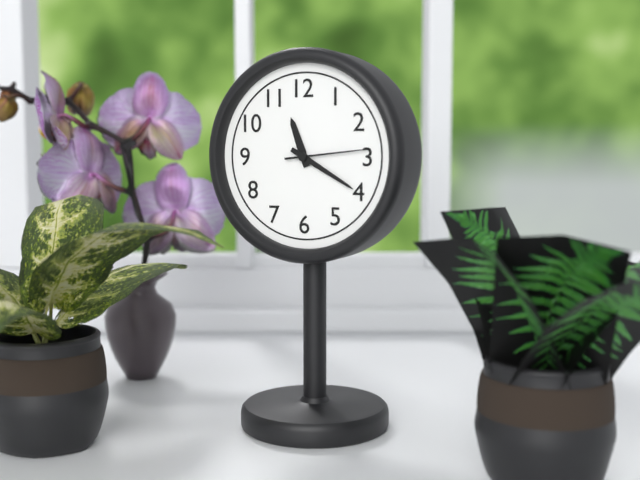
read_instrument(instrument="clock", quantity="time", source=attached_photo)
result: 11:20:14
